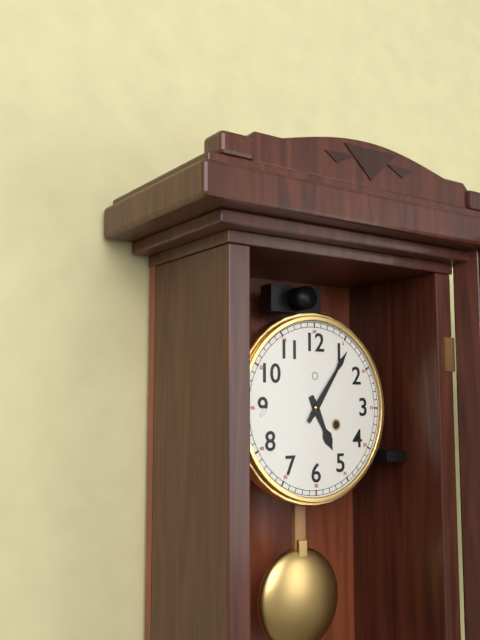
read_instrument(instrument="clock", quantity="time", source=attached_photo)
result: 5:06
